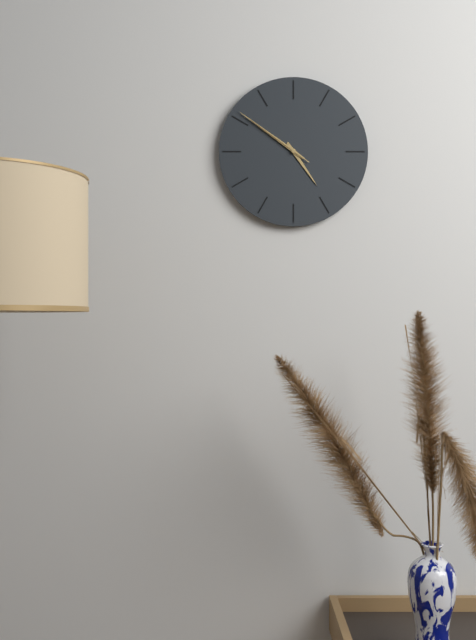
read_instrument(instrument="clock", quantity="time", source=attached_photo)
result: 4:51:51
